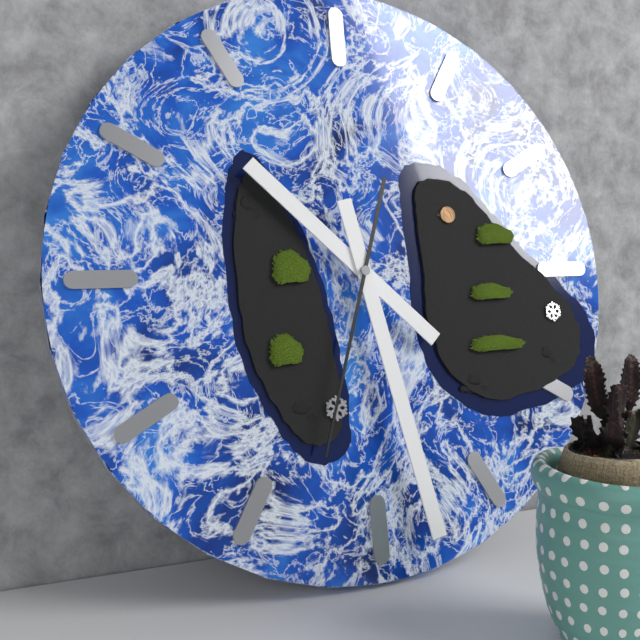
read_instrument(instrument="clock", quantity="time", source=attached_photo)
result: 10:28:33
